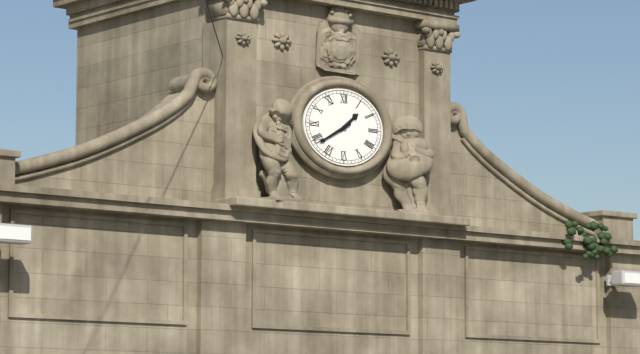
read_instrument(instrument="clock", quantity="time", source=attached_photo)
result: 1:40
